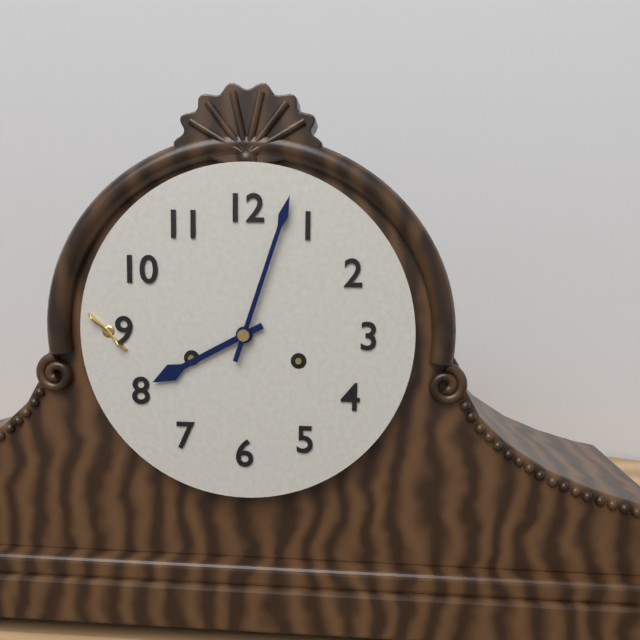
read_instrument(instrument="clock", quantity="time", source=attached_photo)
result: 8:03
